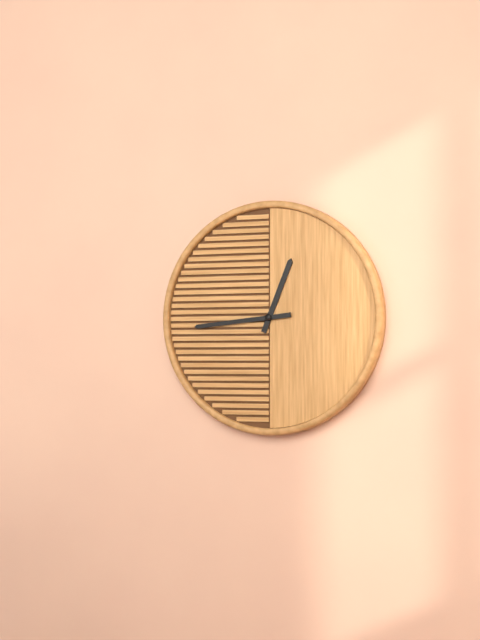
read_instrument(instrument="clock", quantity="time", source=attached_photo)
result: 12:44
